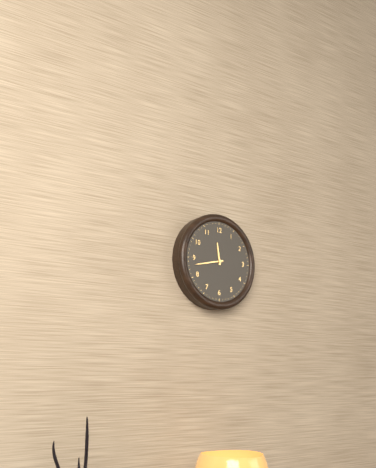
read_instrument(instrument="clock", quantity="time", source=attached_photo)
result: 11:43
